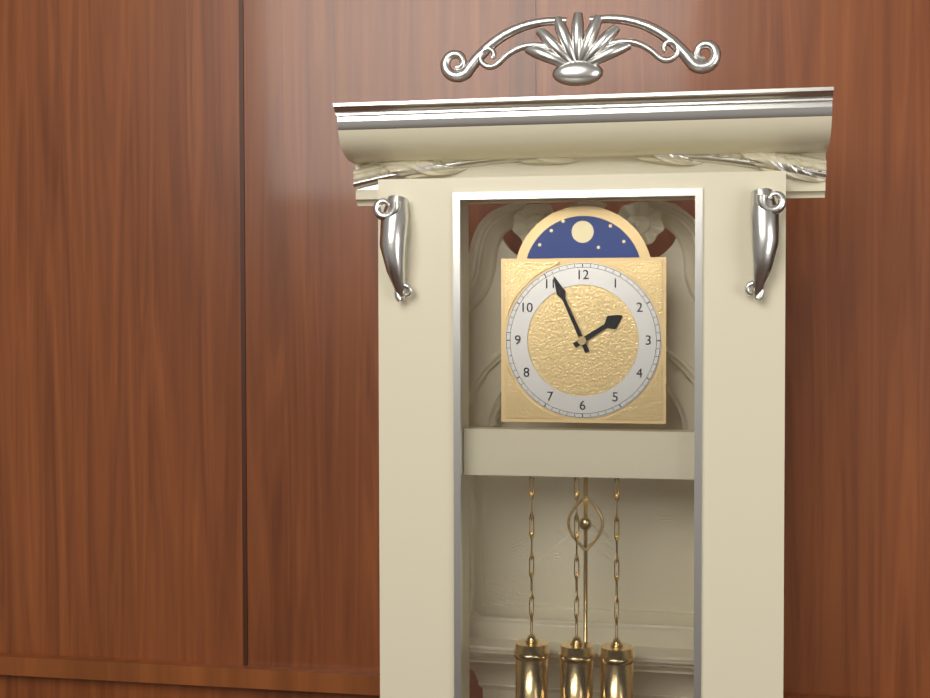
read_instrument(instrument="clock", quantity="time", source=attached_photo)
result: 1:56
